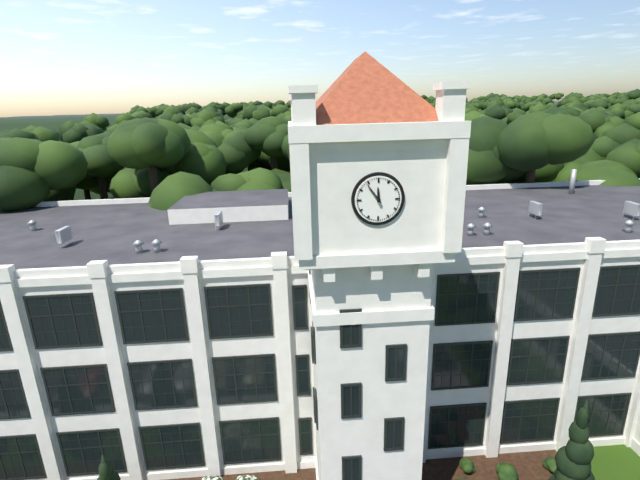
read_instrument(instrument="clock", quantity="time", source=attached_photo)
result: 11:54
